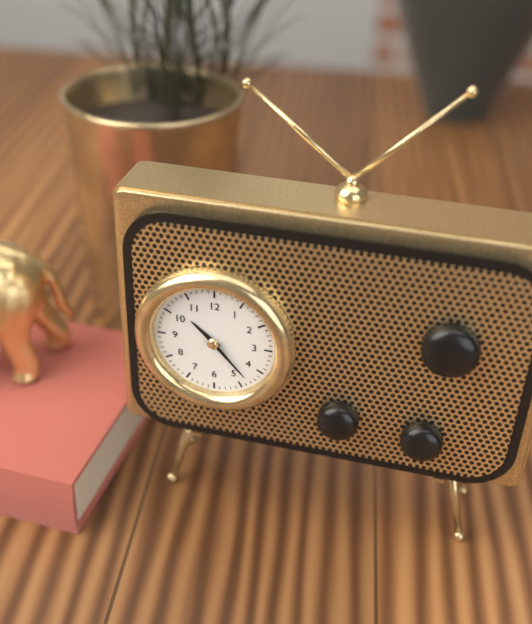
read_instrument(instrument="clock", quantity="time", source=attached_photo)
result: 10:23
